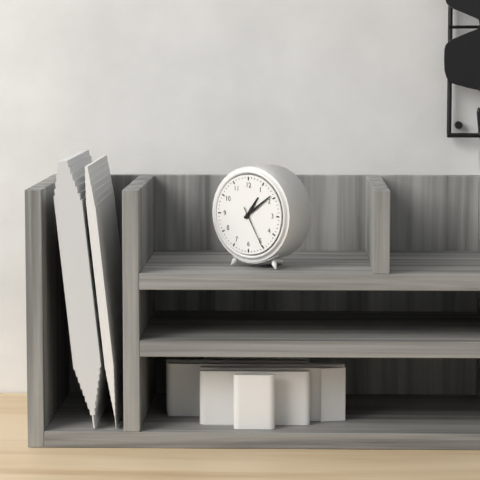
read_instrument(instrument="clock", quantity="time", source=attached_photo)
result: 1:09
